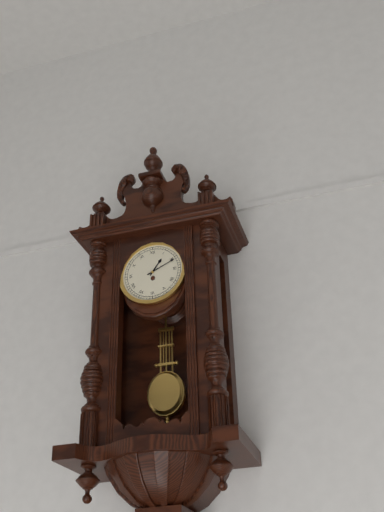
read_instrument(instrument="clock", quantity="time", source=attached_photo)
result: 1:11
